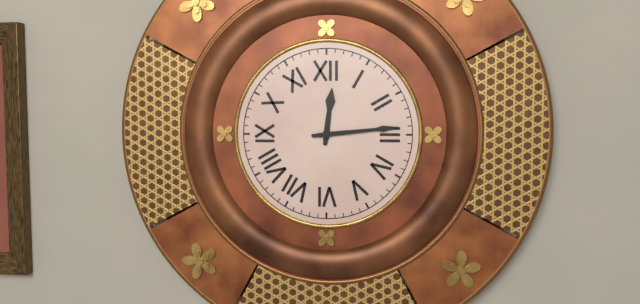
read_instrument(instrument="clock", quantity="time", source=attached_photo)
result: 12:14
